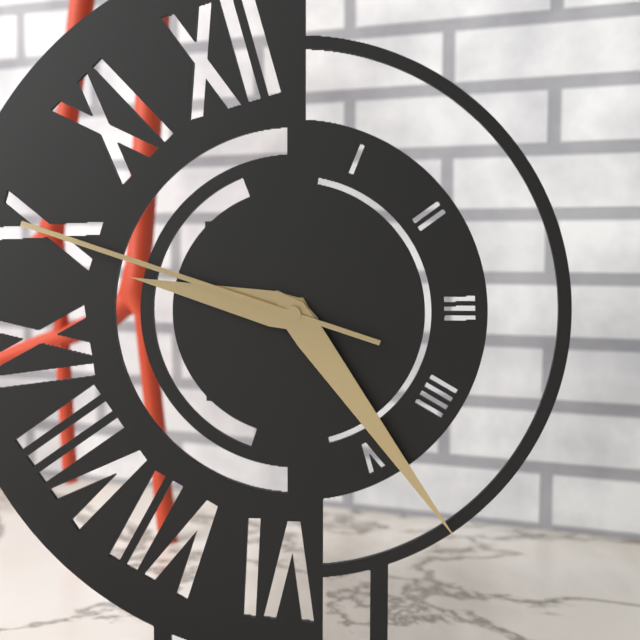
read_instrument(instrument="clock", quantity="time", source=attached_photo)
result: 9:24:48
